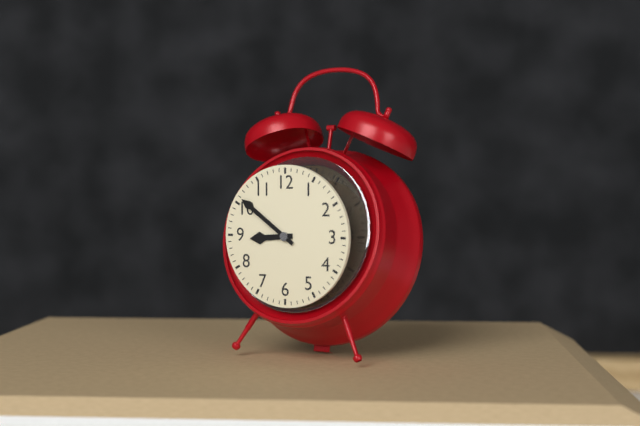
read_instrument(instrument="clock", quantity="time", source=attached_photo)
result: 8:51
